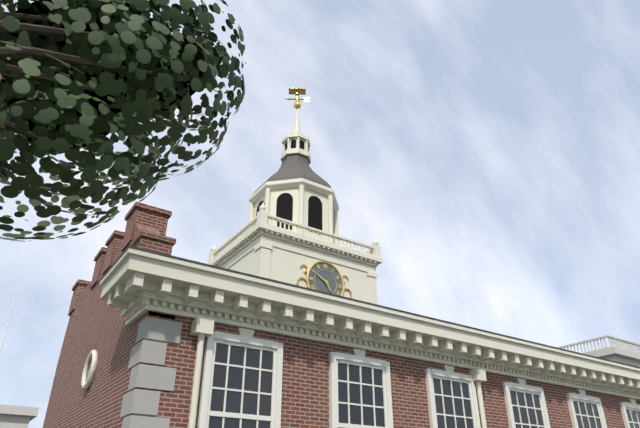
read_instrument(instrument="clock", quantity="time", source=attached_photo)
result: 4:50
